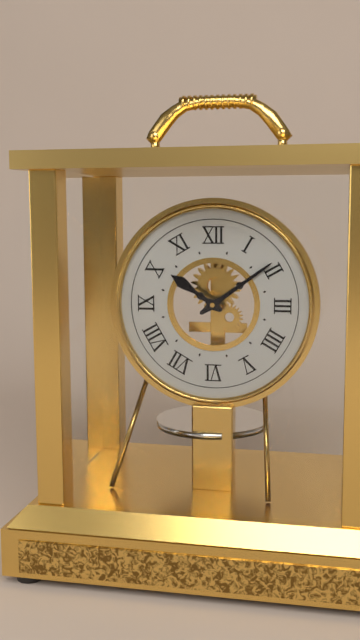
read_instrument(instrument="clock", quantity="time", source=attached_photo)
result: 10:09
